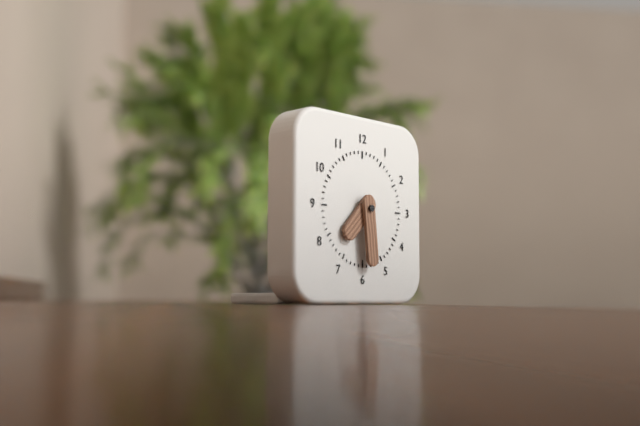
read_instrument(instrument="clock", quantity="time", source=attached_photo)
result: 7:29
